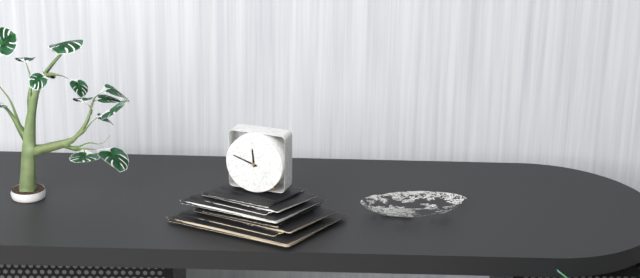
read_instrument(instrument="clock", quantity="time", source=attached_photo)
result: 11:48
